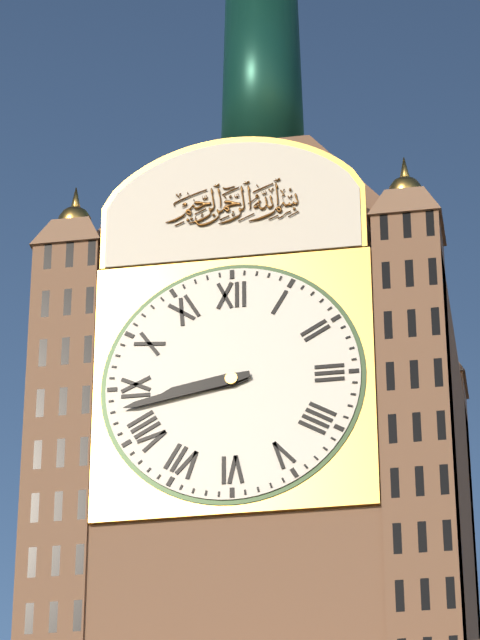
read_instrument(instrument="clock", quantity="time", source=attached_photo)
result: 8:43
